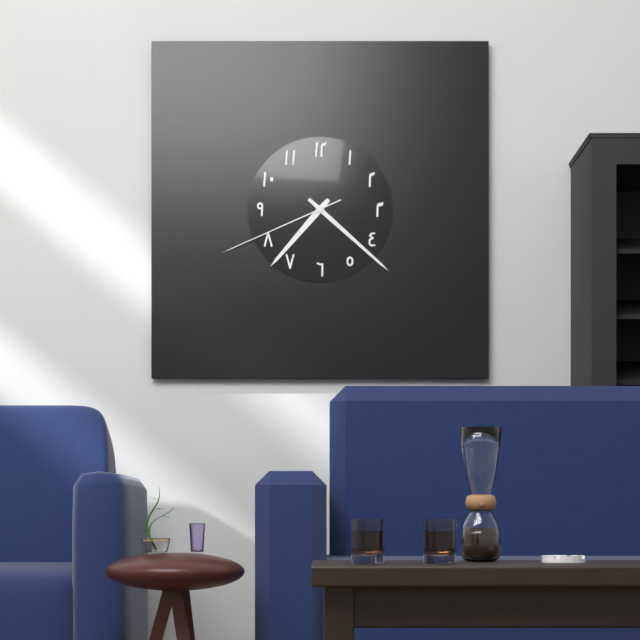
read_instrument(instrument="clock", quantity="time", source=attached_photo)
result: 7:22:41
